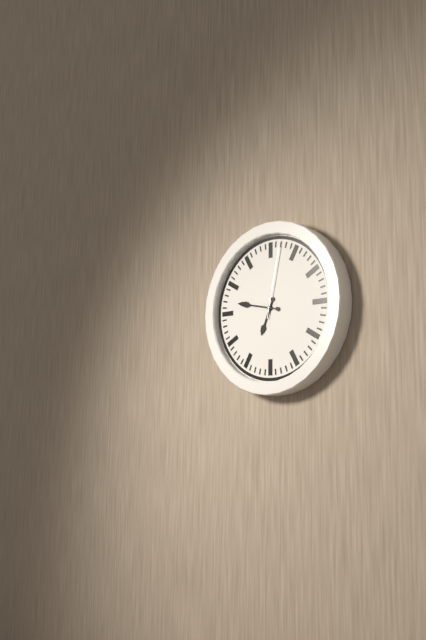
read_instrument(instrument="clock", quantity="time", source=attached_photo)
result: 6:47:02
